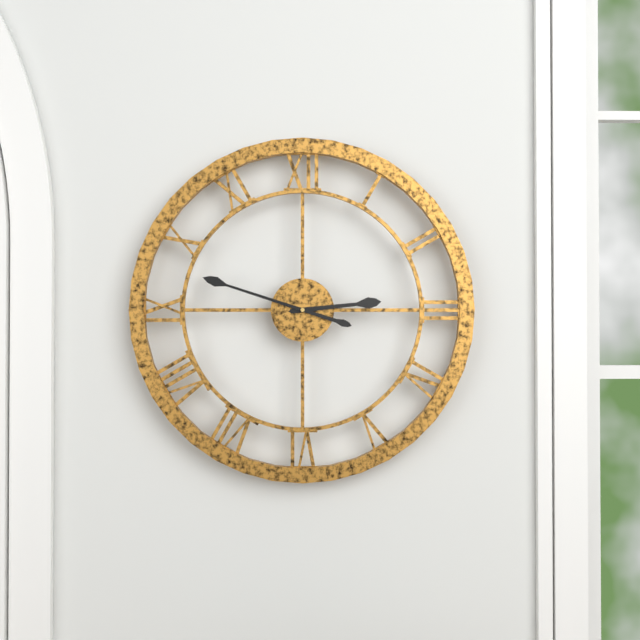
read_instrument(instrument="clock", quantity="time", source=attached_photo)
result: 2:48
